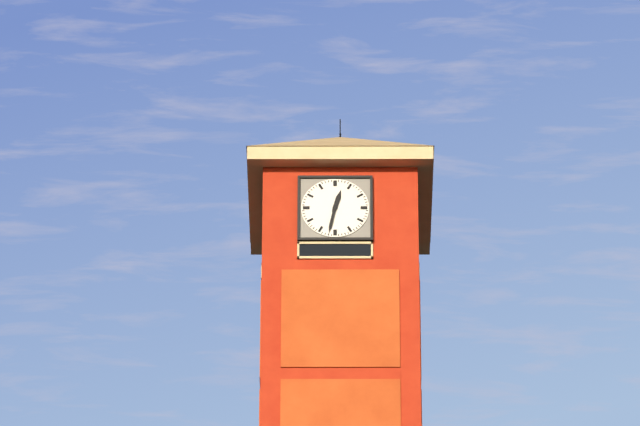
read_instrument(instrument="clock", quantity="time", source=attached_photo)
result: 12:32
